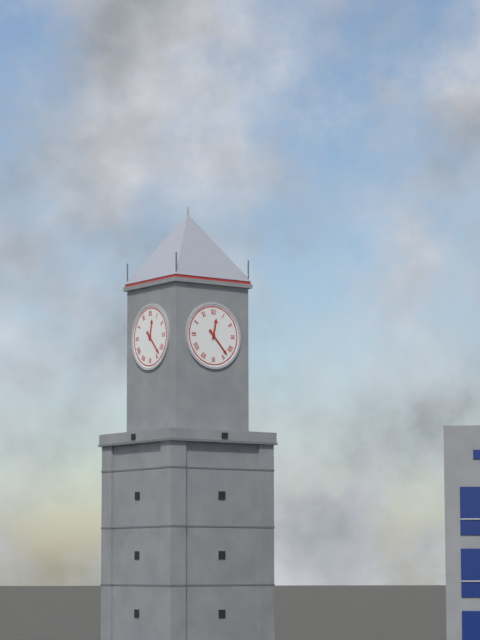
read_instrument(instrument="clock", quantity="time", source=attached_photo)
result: 12:23
